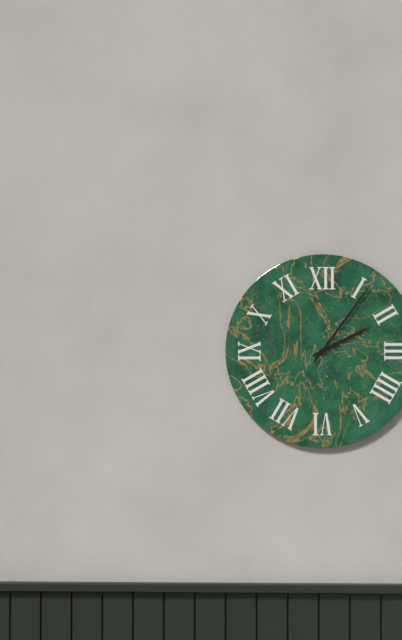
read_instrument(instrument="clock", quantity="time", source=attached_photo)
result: 2:06
